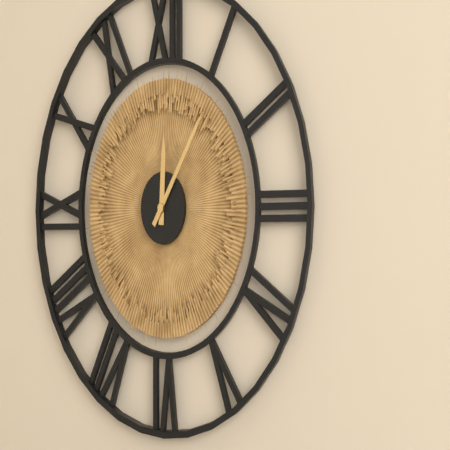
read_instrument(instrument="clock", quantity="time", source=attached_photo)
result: 12:06
